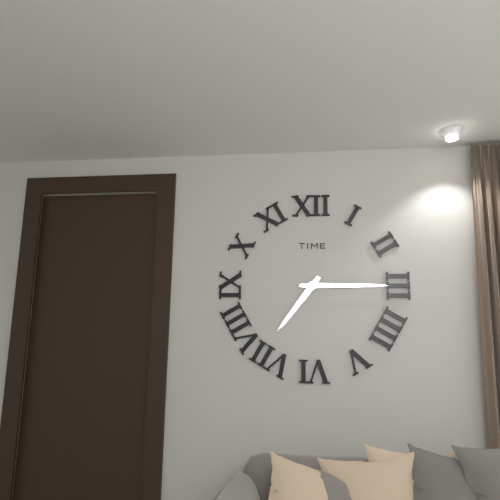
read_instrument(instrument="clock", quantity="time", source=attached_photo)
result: 7:15
